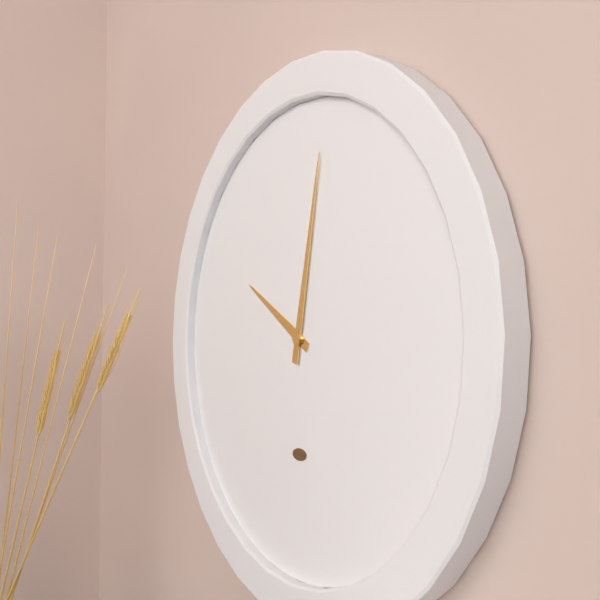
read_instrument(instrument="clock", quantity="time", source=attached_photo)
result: 10:02
